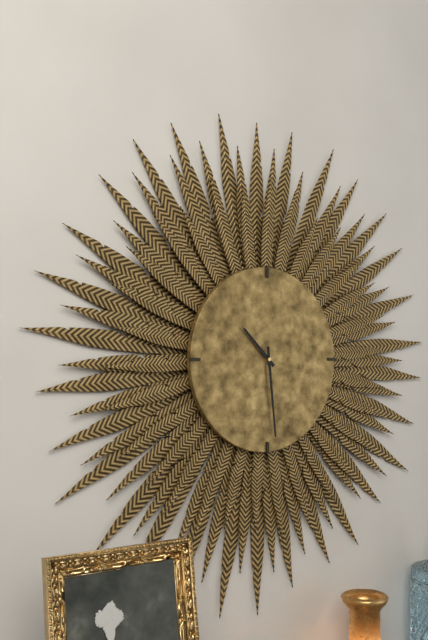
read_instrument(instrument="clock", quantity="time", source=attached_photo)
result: 10:29
